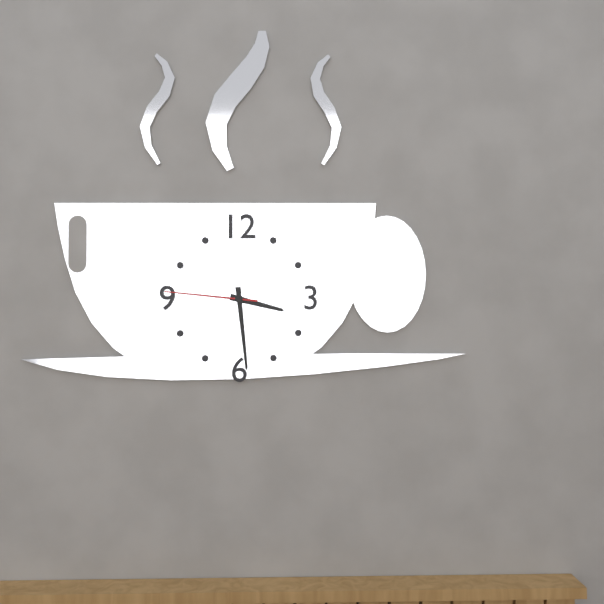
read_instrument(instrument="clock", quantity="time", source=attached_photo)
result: 3:29:46
